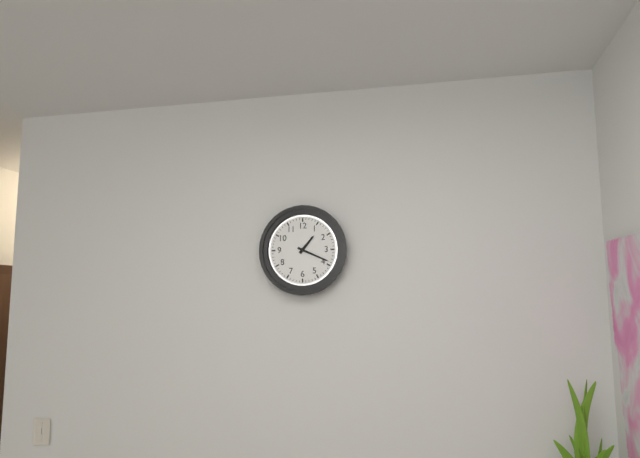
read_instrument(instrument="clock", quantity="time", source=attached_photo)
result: 1:19
